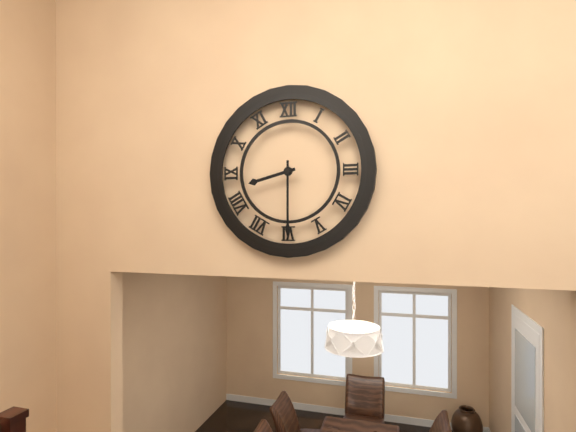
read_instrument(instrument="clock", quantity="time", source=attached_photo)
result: 8:30
